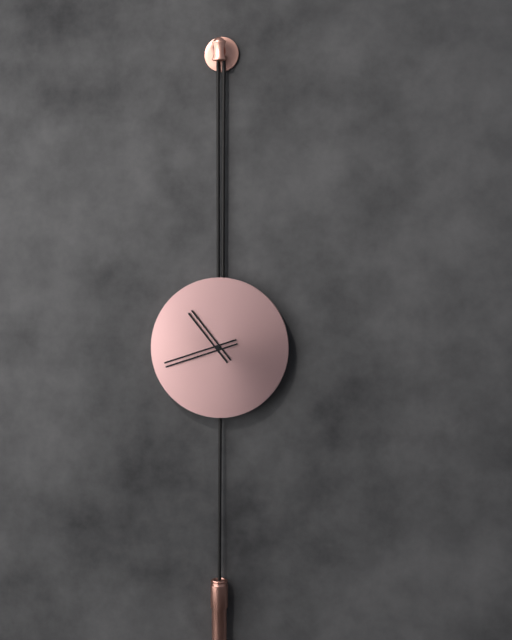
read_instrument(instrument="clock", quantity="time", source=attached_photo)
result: 10:42
